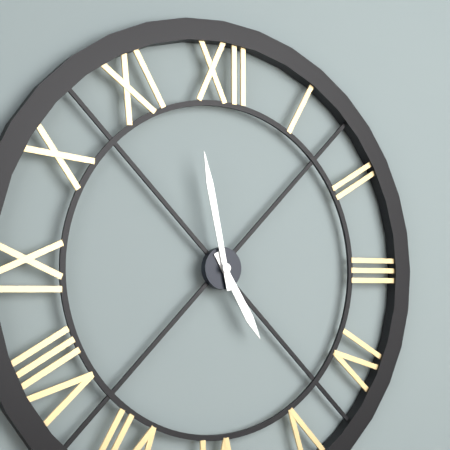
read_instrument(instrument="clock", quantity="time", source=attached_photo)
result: 4:58
